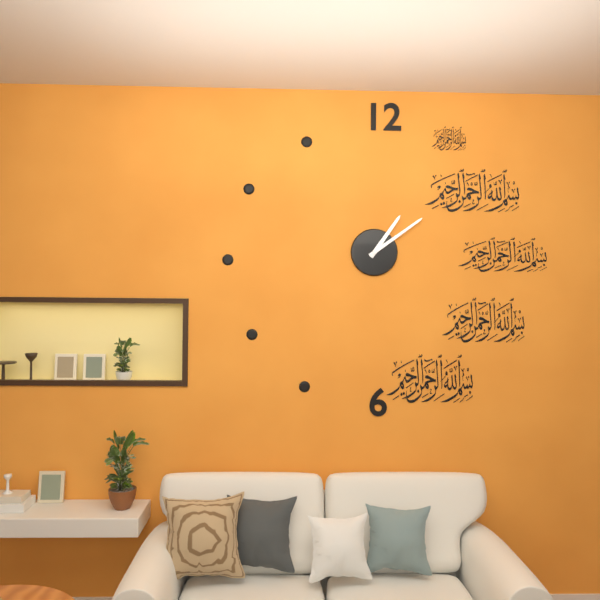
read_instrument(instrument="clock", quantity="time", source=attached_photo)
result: 1:09
